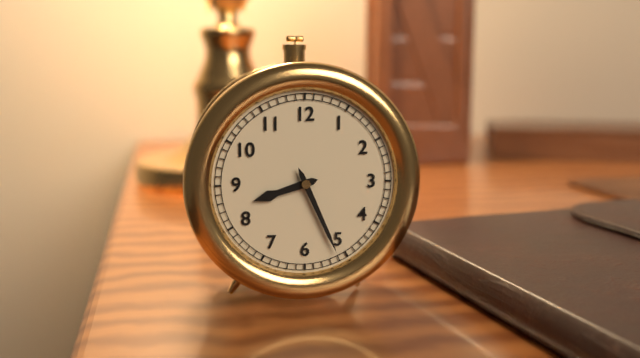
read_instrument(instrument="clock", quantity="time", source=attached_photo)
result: 8:26
